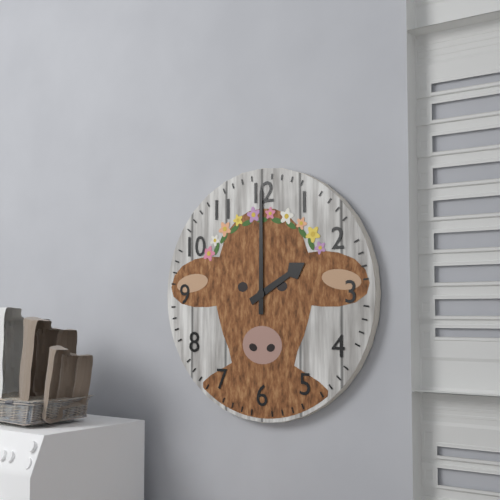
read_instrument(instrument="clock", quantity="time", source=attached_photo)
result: 2:00
